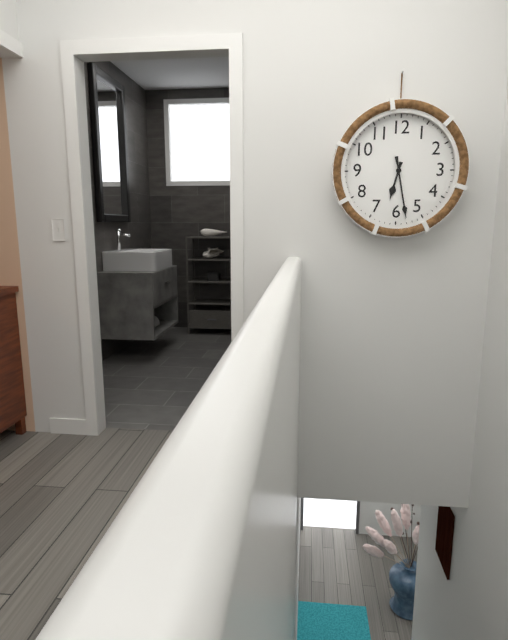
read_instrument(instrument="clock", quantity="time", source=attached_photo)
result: 6:28
